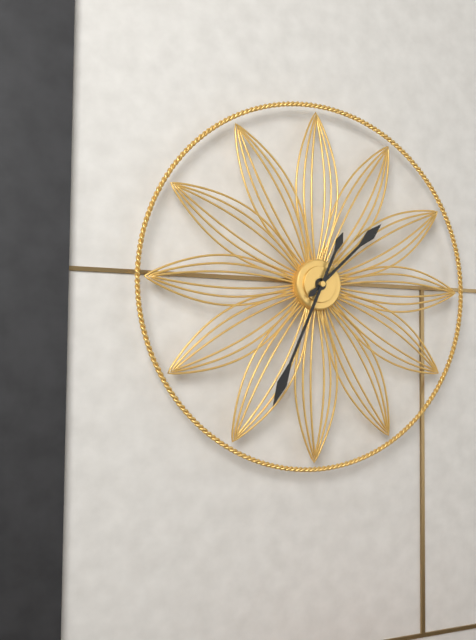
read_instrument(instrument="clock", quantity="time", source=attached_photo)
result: 1:34
